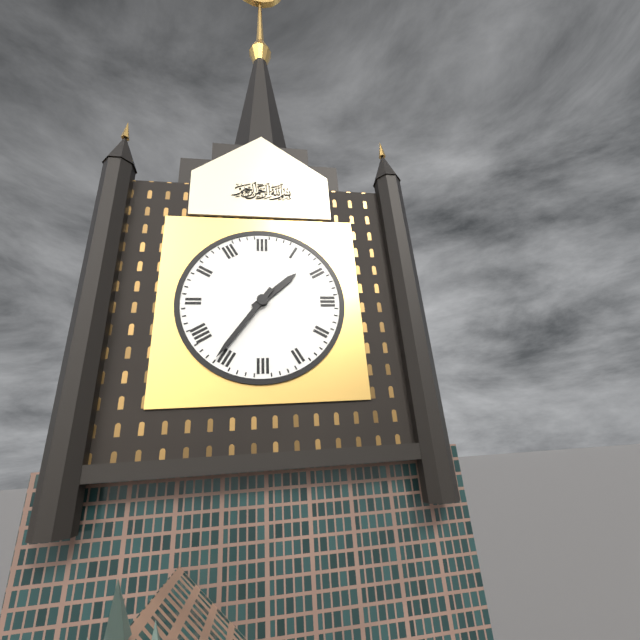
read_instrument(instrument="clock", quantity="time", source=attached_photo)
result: 1:36
